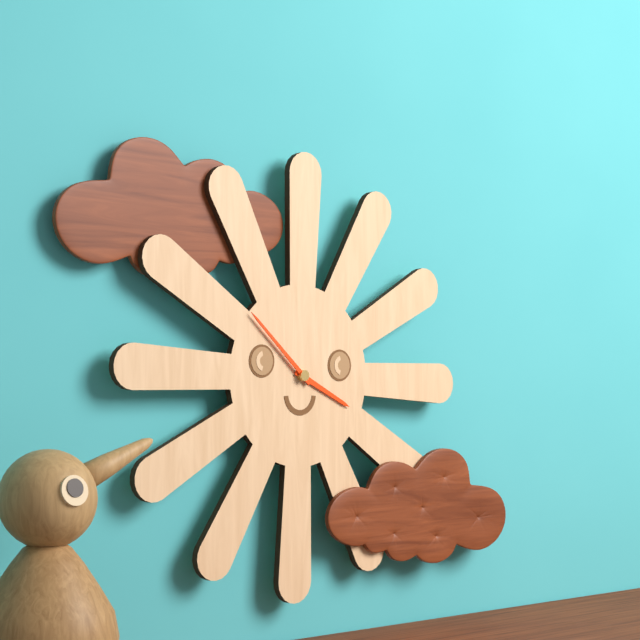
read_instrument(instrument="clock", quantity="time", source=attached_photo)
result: 3:52
